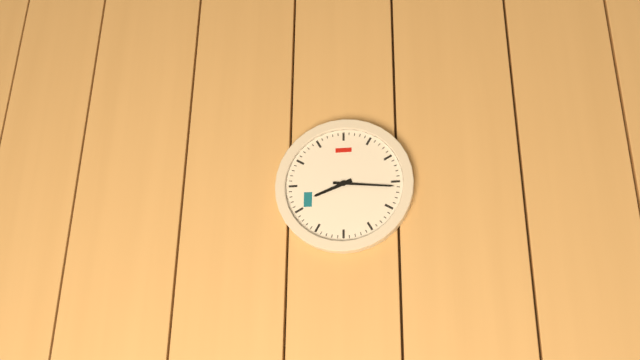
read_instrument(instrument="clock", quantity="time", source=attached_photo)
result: 8:16
